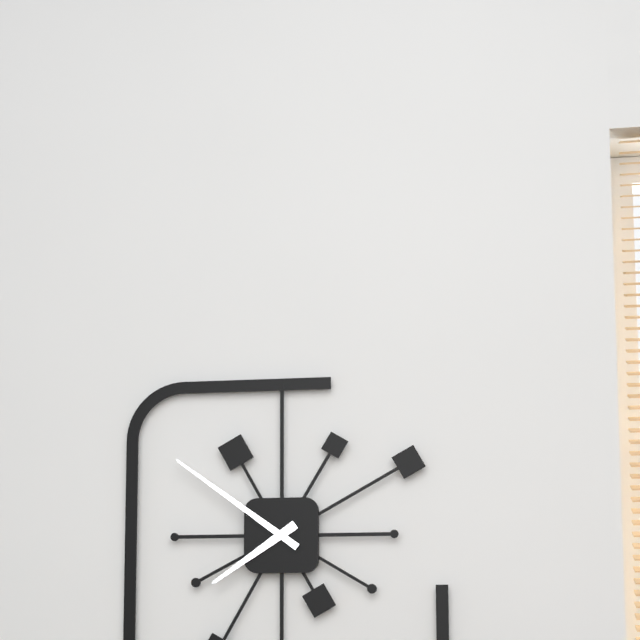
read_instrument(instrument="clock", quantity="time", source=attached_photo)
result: 7:51
